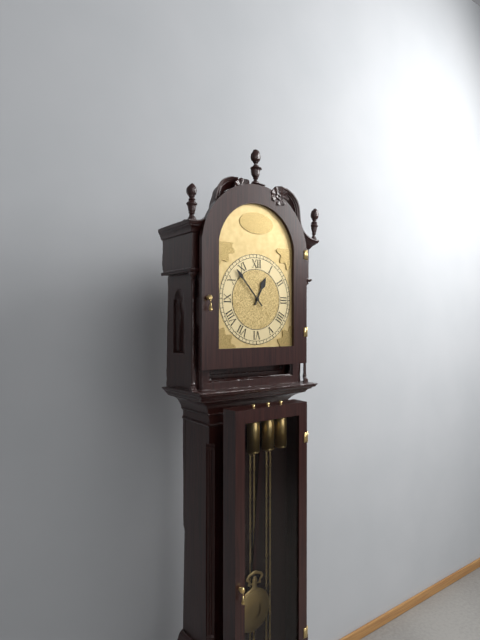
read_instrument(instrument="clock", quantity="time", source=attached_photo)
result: 12:53
